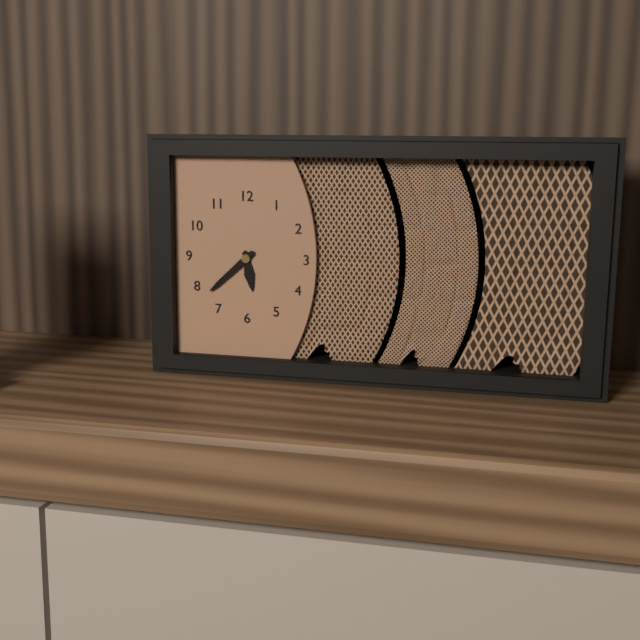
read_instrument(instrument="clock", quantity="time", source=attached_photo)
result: 5:38
